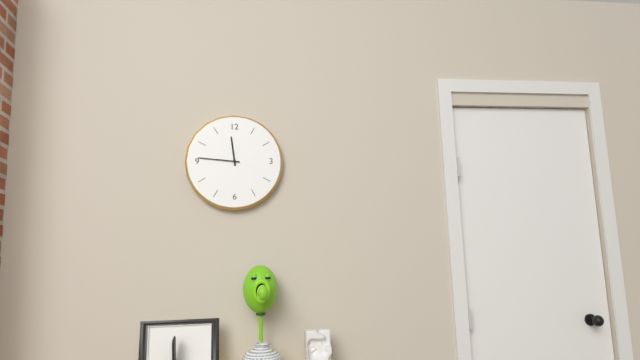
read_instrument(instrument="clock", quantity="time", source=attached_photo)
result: 11:46
